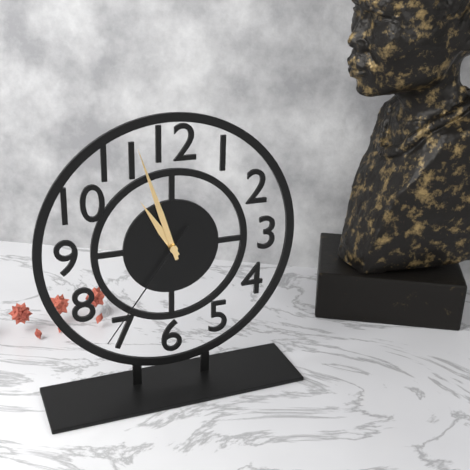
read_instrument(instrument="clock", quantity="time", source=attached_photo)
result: 10:57:36
